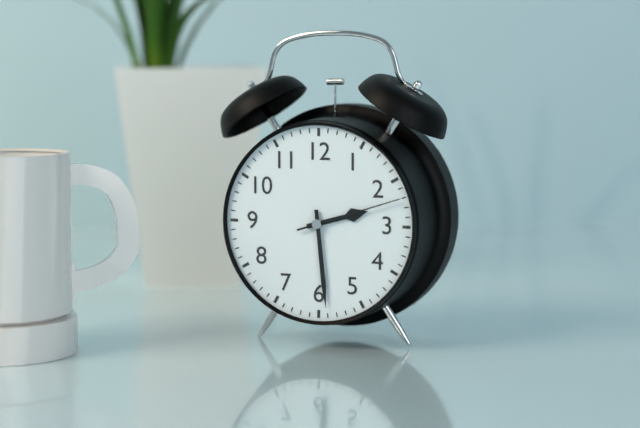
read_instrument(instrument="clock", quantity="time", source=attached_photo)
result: 2:29:12
